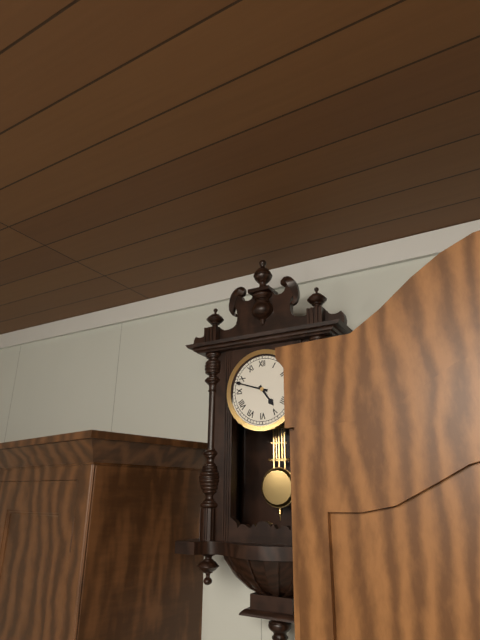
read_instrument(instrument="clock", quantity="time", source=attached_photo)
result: 4:48
